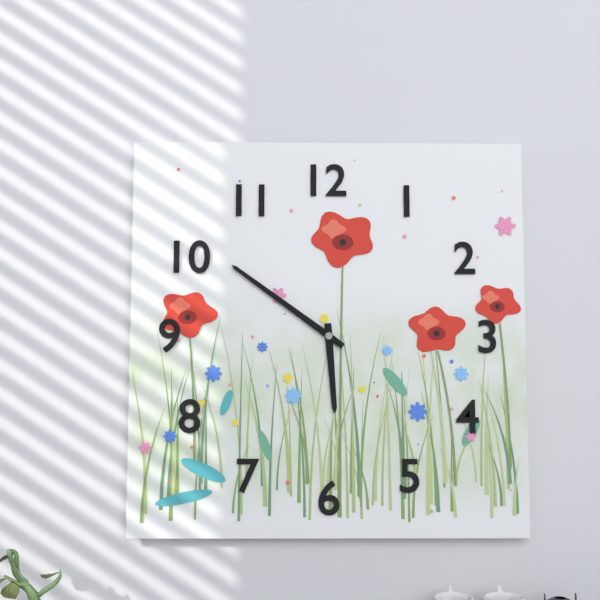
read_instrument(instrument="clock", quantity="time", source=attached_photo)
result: 5:51
